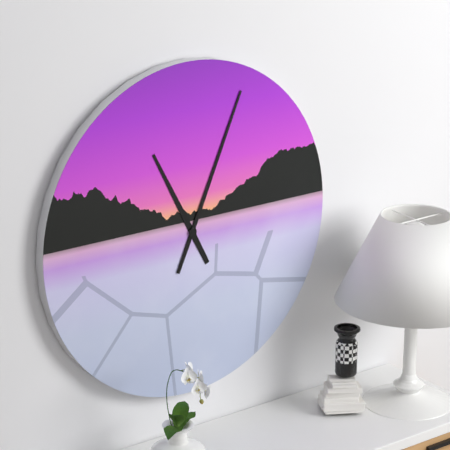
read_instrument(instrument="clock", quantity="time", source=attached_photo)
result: 11:04
